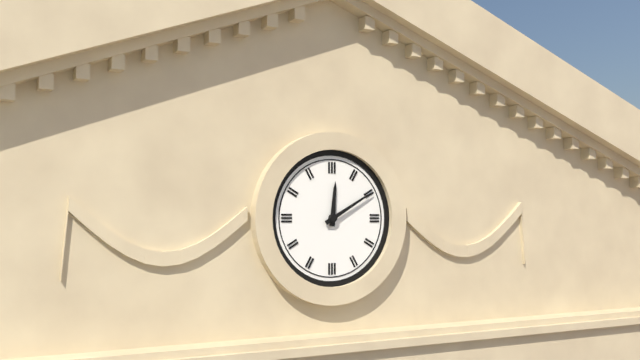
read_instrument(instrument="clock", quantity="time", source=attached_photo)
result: 12:10
